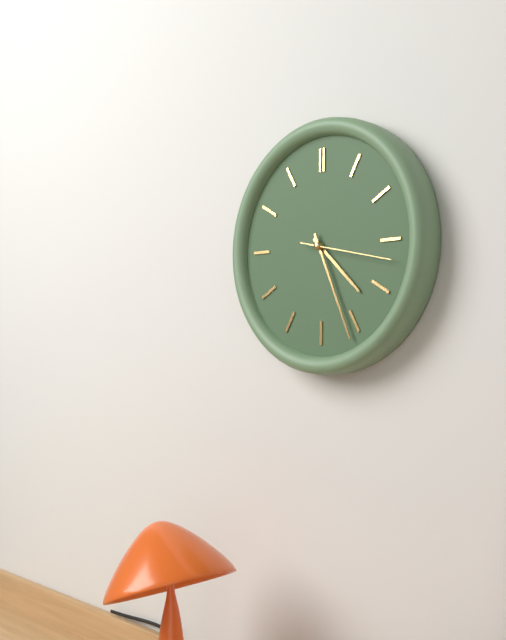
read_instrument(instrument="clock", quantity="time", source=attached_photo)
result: 4:26:17
